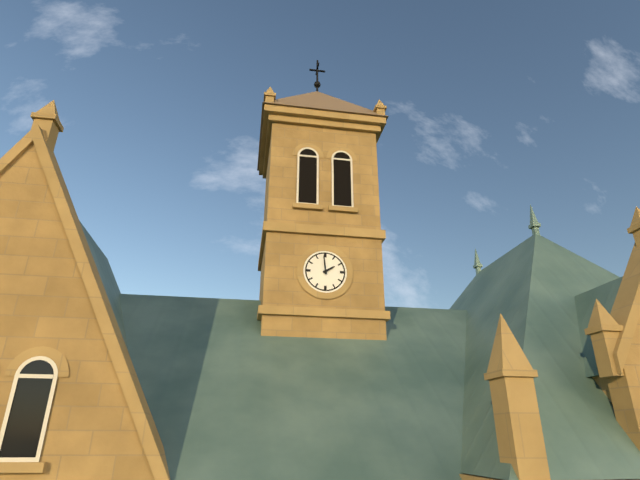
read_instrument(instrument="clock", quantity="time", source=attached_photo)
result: 1:59
